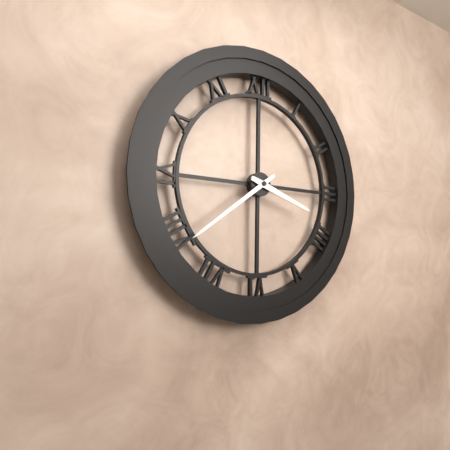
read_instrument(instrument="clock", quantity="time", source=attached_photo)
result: 3:39
